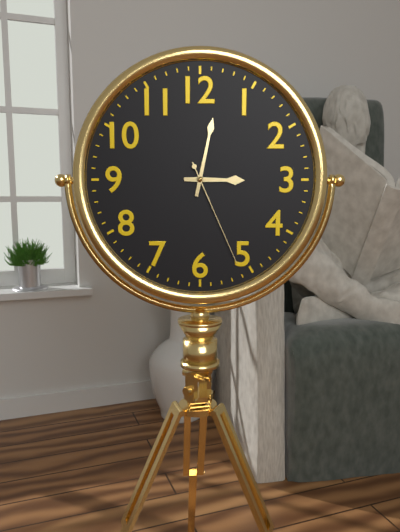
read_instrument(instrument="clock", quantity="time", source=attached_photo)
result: 3:02:26
